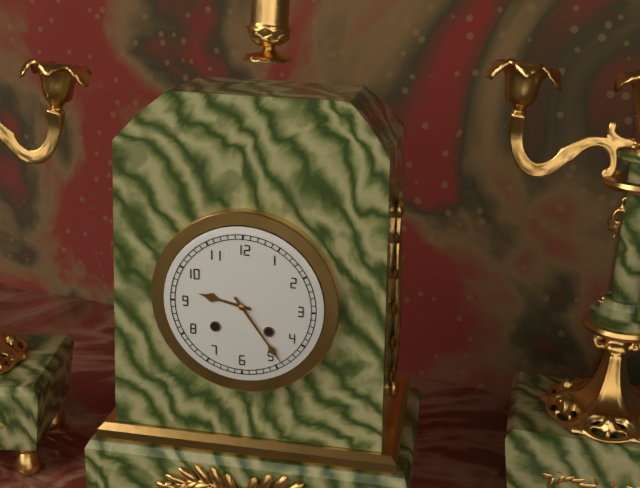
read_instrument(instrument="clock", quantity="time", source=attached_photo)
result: 9:24
